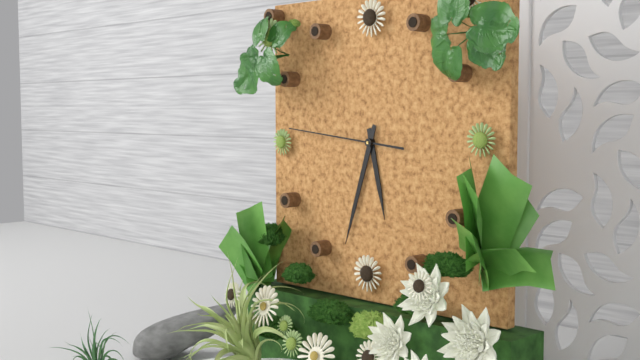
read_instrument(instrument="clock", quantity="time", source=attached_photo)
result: 5:33:46
